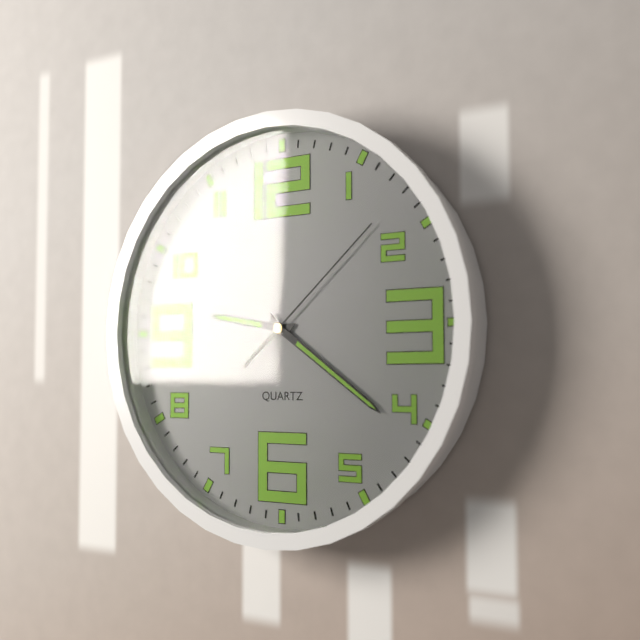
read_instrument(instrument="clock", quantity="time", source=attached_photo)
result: 9:21:08
